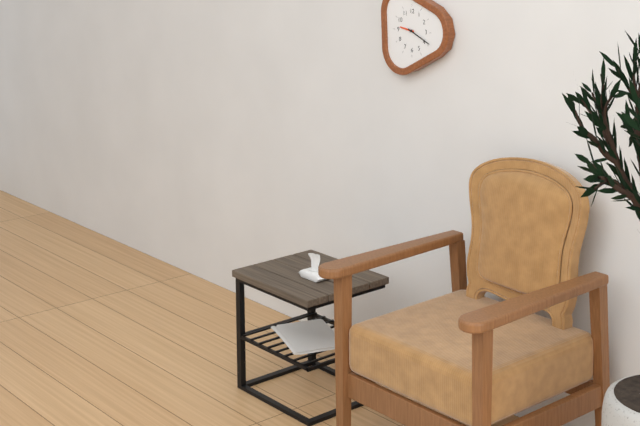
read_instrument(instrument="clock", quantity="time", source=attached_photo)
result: 9:19
